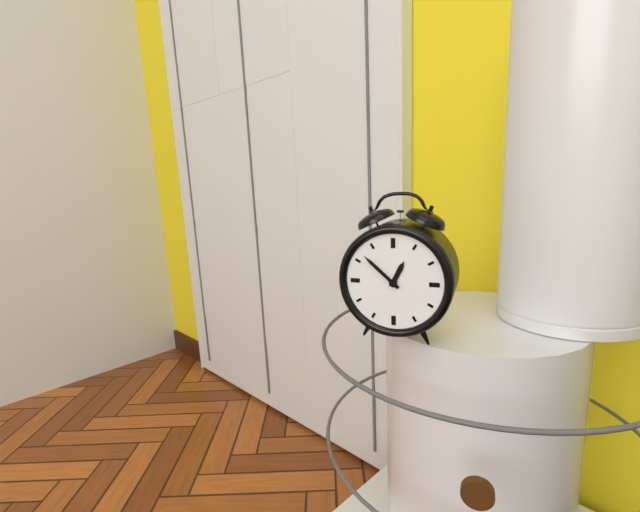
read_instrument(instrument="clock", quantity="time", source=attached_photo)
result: 12:52
